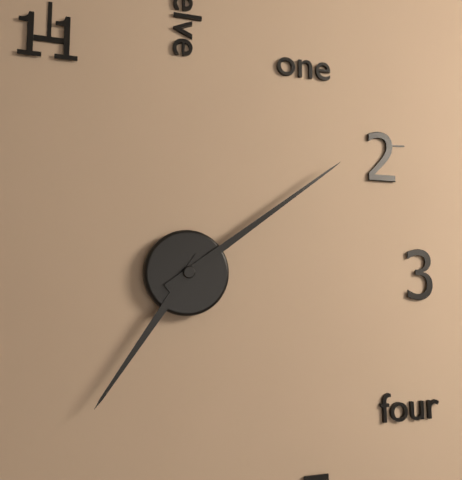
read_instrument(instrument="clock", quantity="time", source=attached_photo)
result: 7:09
